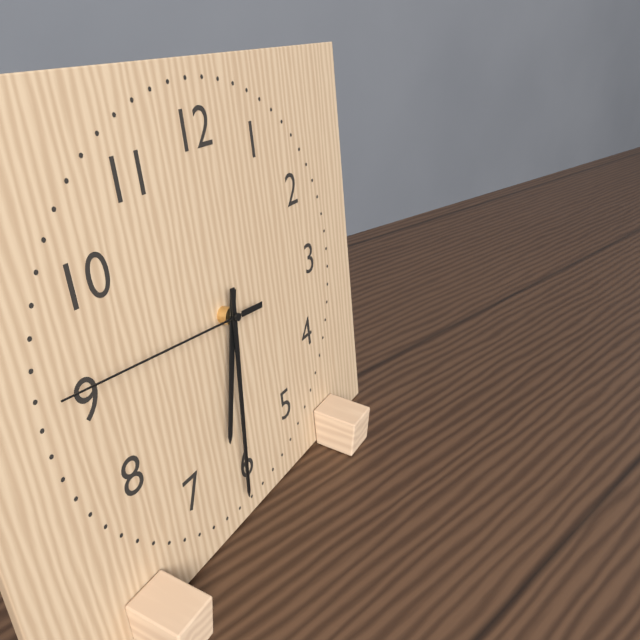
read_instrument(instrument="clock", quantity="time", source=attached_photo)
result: 6:31:46
